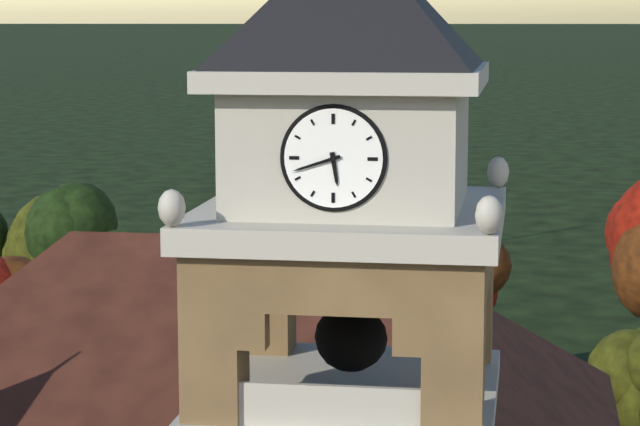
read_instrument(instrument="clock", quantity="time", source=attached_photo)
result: 5:42
